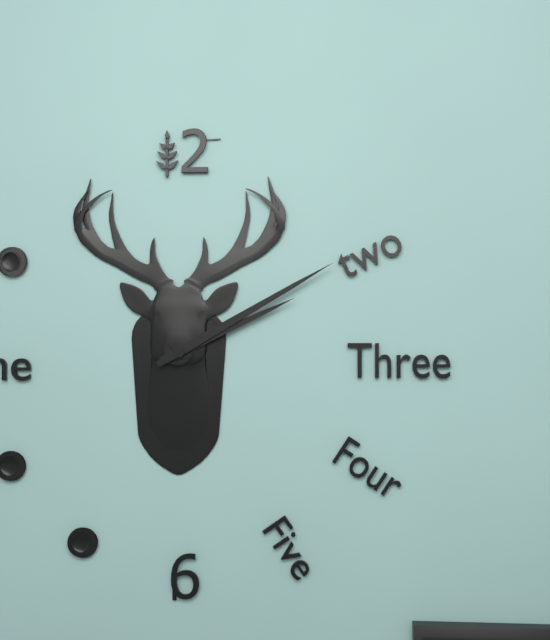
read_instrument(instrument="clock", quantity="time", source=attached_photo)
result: 2:10
